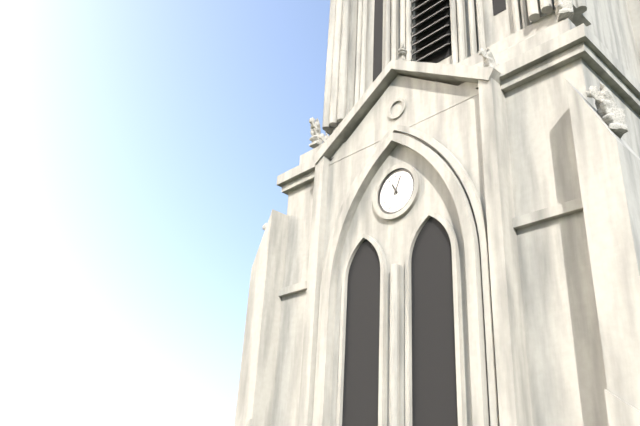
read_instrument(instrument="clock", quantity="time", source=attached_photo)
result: 11:04
